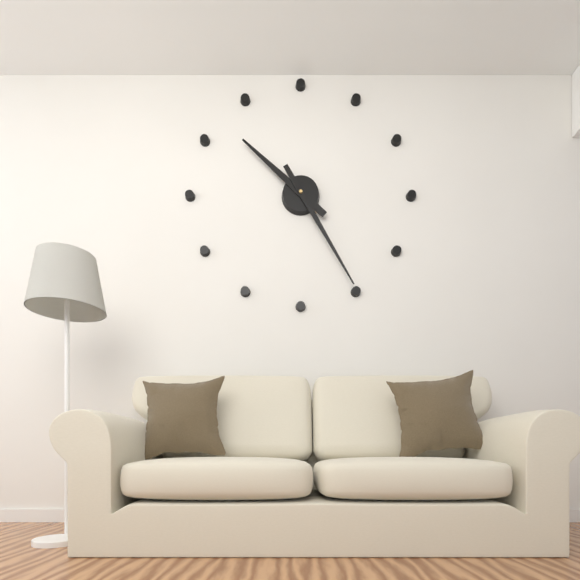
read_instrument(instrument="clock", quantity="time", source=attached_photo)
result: 10:25
